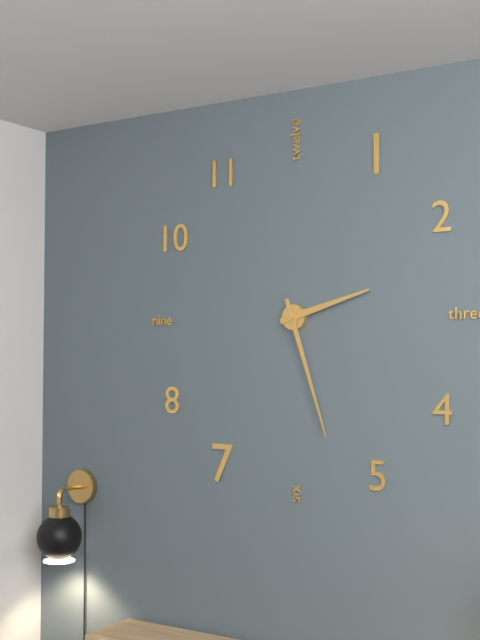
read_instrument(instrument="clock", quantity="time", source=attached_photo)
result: 2:27
